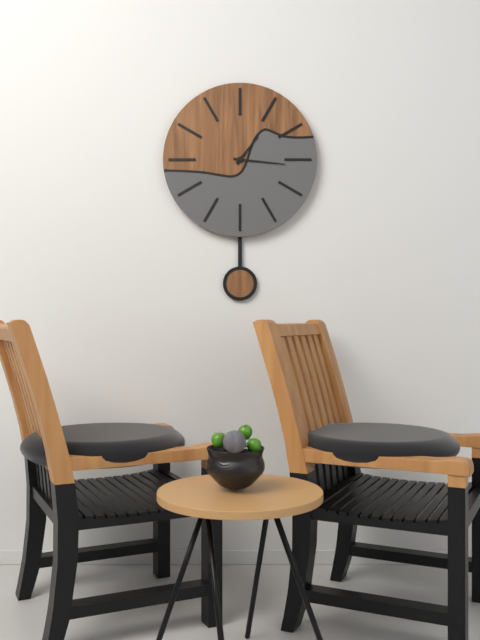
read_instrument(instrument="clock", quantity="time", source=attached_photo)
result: 1:16
